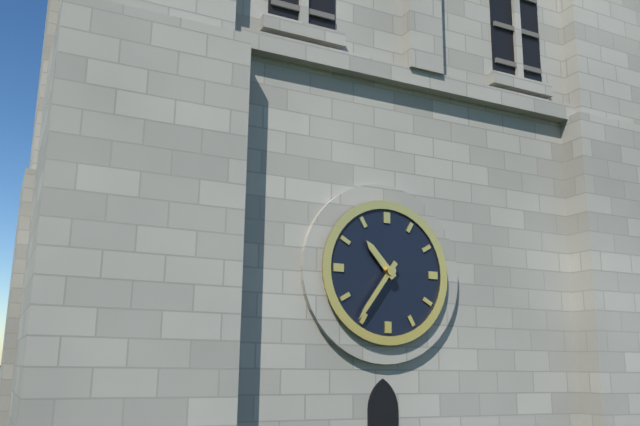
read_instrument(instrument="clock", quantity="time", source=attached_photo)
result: 10:36
